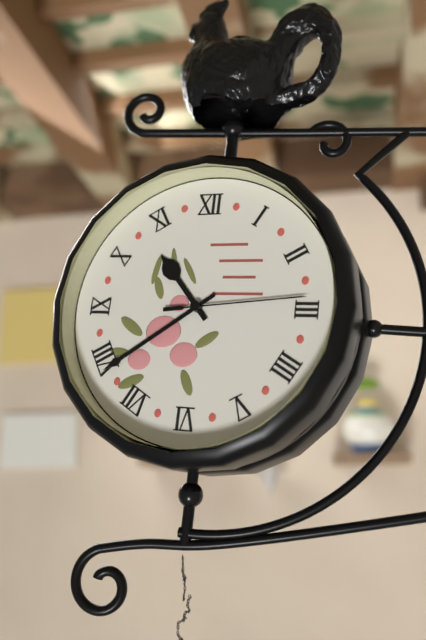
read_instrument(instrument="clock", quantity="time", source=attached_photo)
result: 10:39:14
